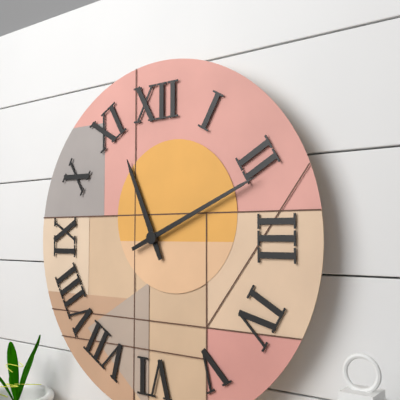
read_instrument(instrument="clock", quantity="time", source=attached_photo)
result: 11:11
